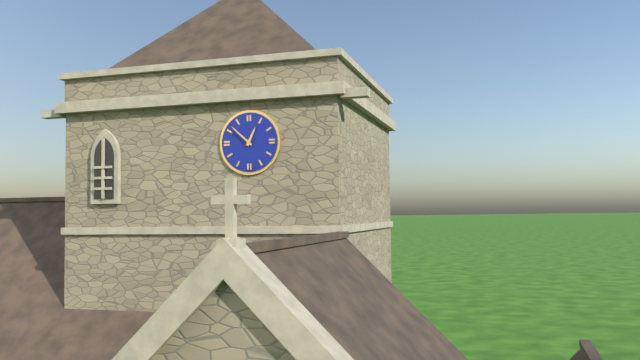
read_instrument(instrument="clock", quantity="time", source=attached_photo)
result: 12:52
